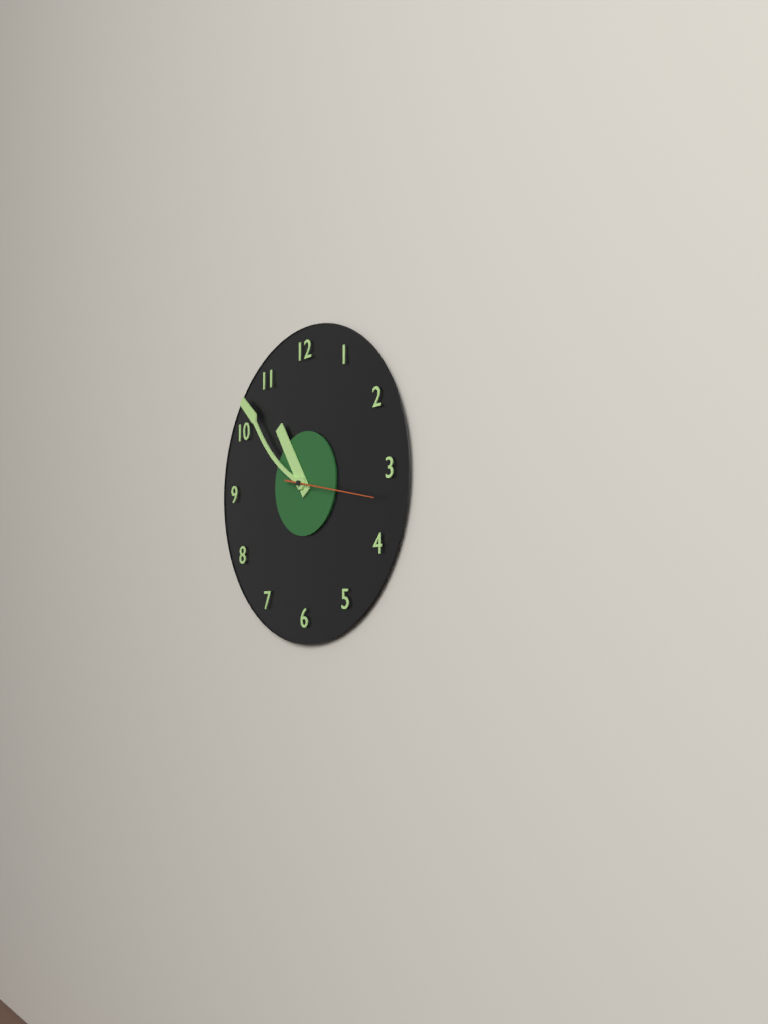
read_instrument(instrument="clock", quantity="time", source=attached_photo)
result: 10:52:17
